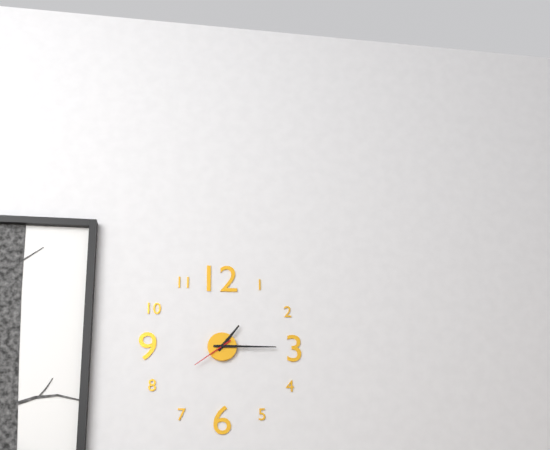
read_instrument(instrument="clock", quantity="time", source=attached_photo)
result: 1:15
